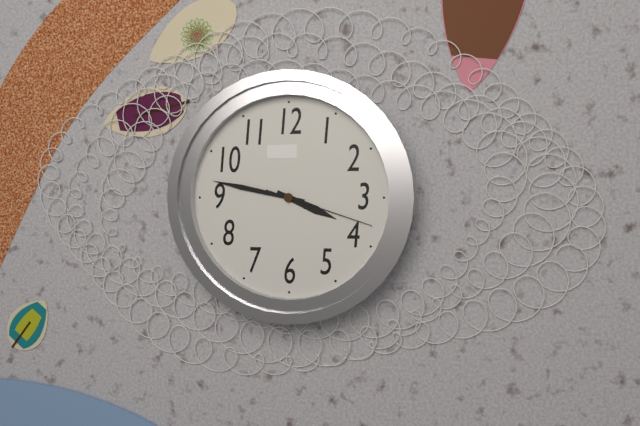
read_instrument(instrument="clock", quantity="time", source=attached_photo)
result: 3:47:18
